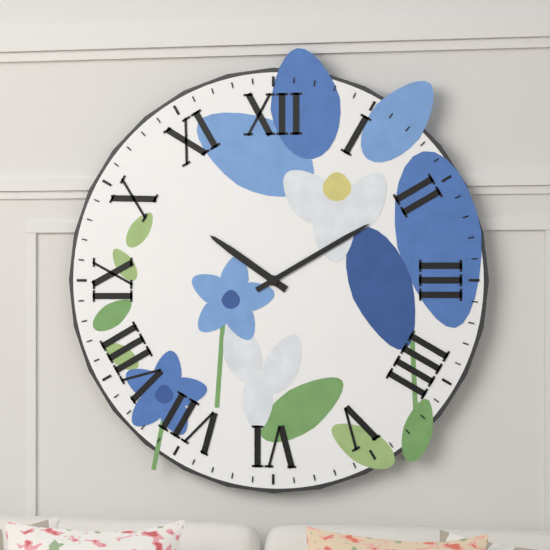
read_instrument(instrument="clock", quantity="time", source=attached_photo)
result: 10:10
